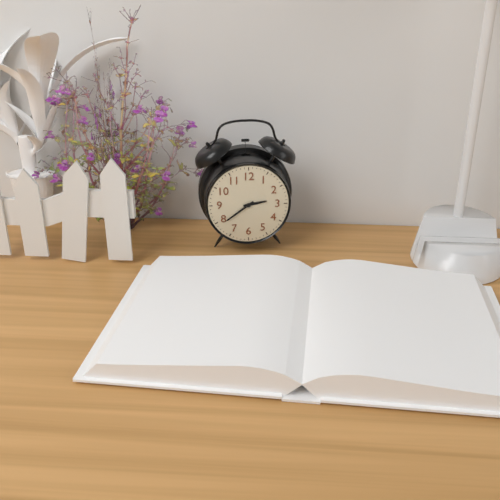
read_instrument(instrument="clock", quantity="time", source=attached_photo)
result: 2:39
